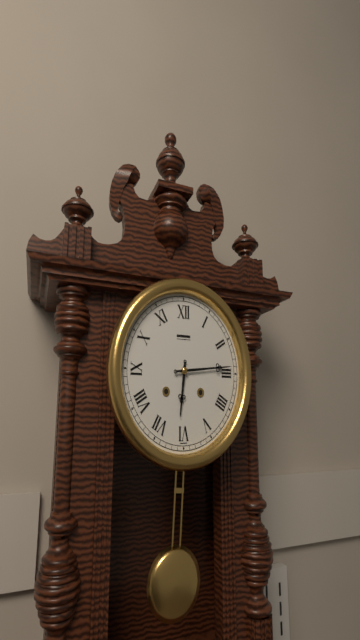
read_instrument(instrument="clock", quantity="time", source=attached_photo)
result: 6:14
